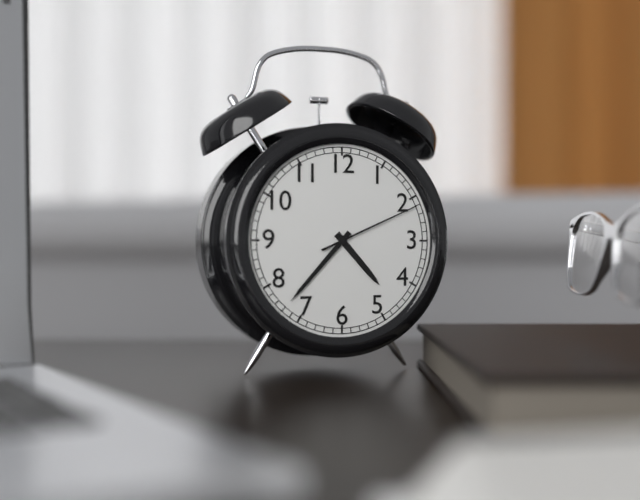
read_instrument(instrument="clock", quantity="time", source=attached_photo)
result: 4:37:11
